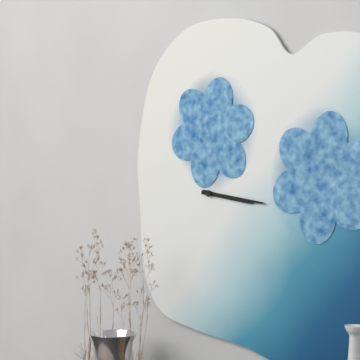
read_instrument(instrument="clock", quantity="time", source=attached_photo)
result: 3:16
